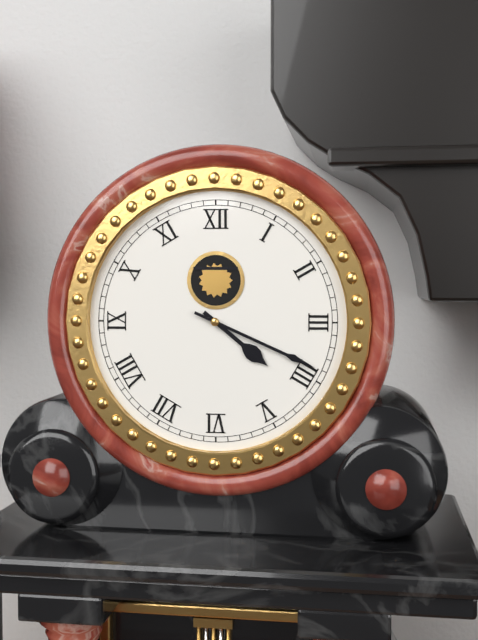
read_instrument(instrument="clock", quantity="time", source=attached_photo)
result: 4:19
